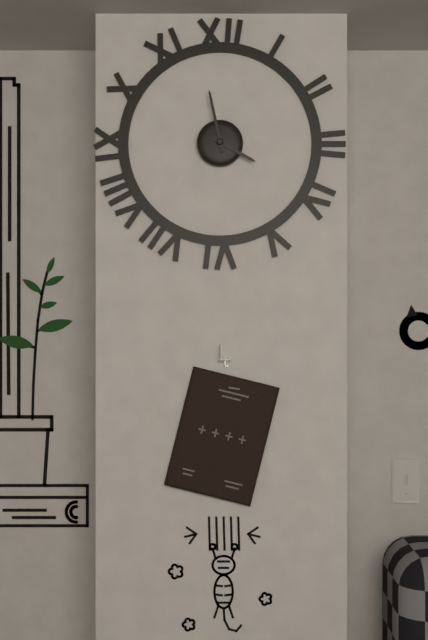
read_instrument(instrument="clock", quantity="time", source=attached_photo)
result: 3:58
